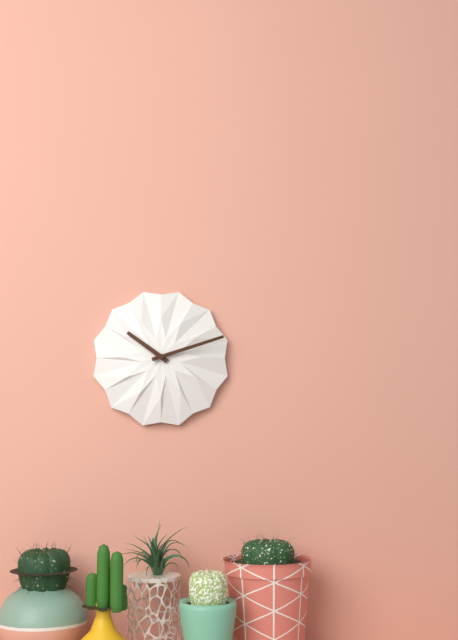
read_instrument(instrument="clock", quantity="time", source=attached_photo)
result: 10:12
